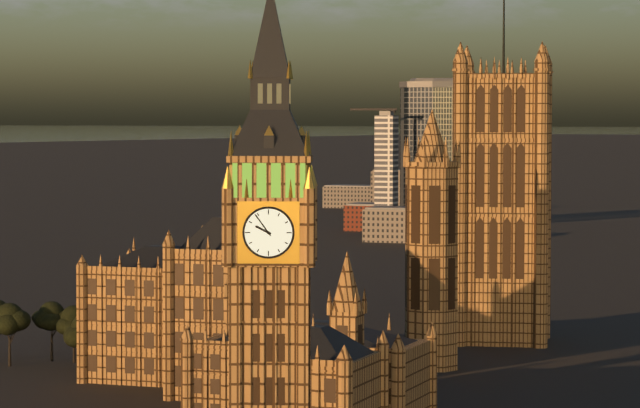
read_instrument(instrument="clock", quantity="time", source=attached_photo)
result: 9:54
